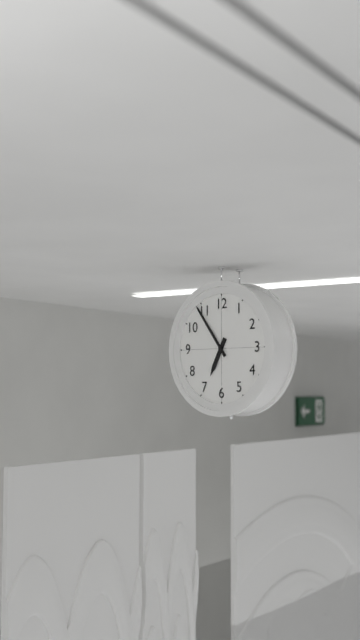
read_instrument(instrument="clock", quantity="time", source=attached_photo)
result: 6:54
